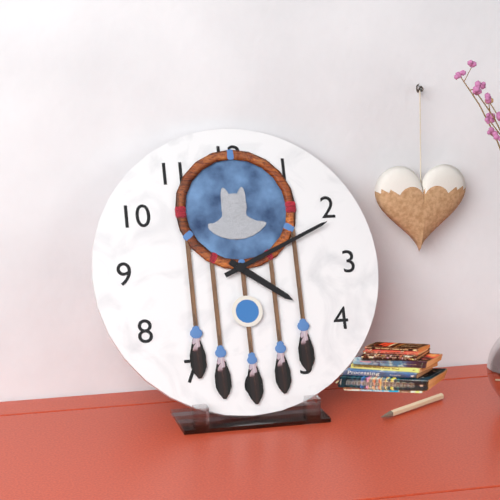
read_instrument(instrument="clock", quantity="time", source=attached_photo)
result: 4:11
